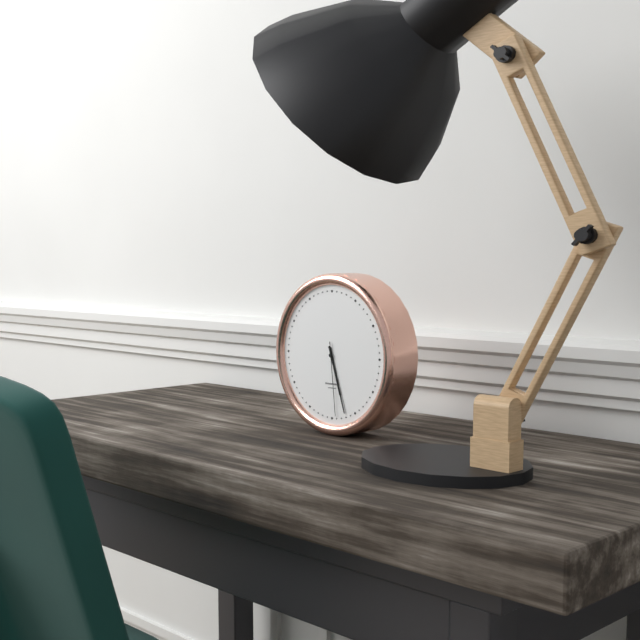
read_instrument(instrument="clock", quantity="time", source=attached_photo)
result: 5:27:29
